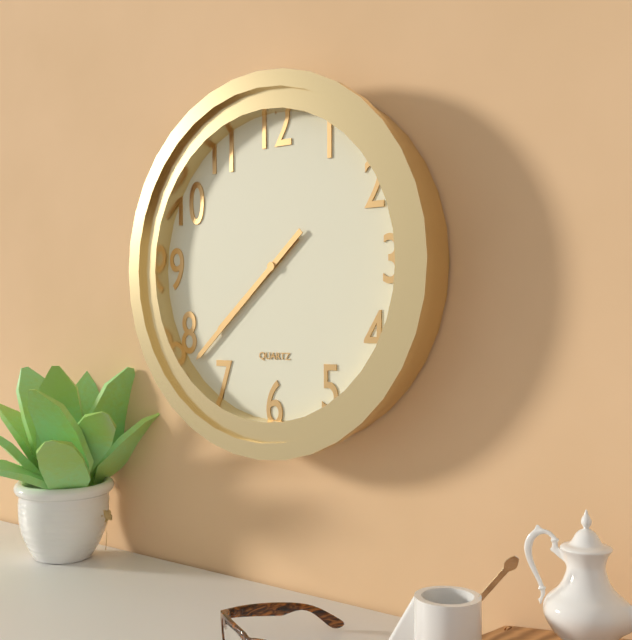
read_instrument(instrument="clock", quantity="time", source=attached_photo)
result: 7:38
